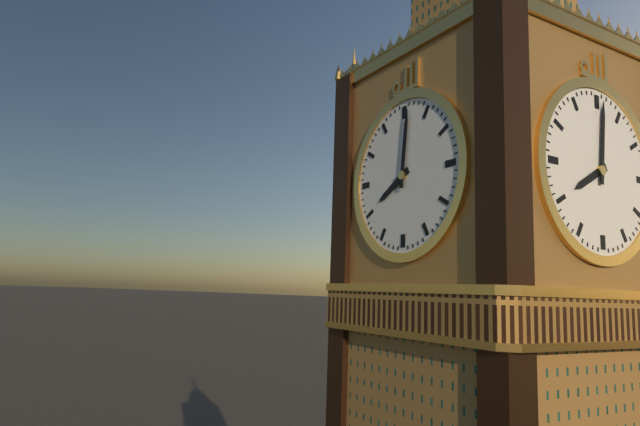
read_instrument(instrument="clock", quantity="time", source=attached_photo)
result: 8:01
